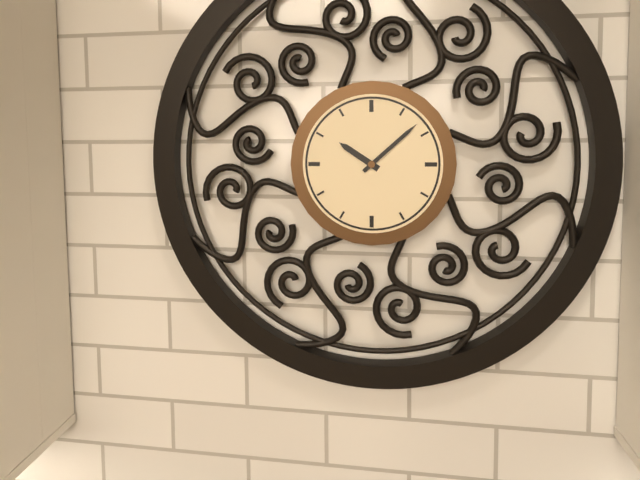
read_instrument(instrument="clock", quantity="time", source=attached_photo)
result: 10:08
